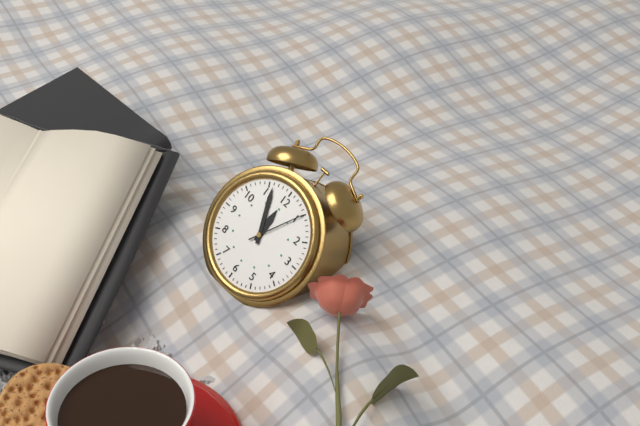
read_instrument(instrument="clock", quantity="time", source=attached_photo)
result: 11:56:05
